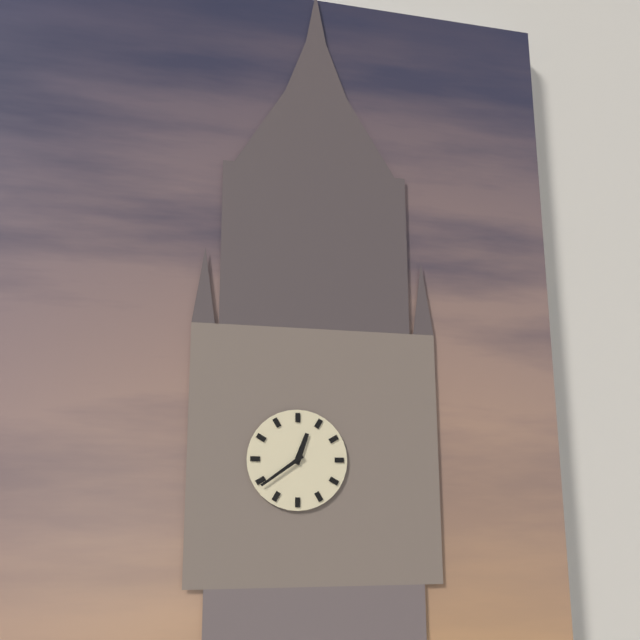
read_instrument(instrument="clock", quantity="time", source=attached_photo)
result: 12:39
